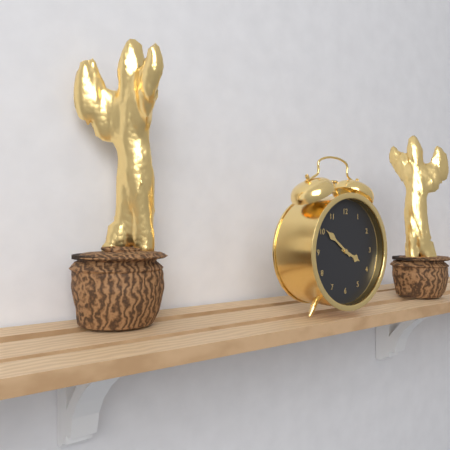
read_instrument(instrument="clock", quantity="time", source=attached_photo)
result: 3:51
